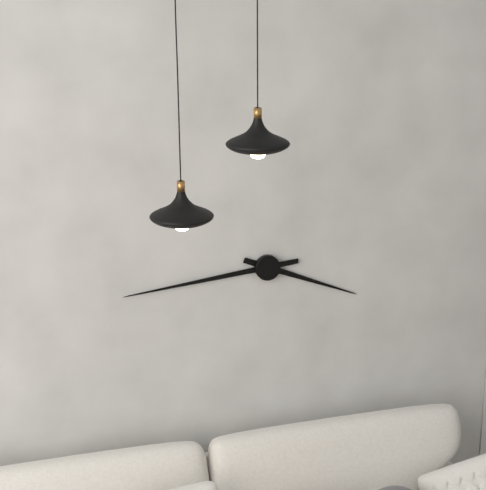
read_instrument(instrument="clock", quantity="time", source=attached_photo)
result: 3:44
